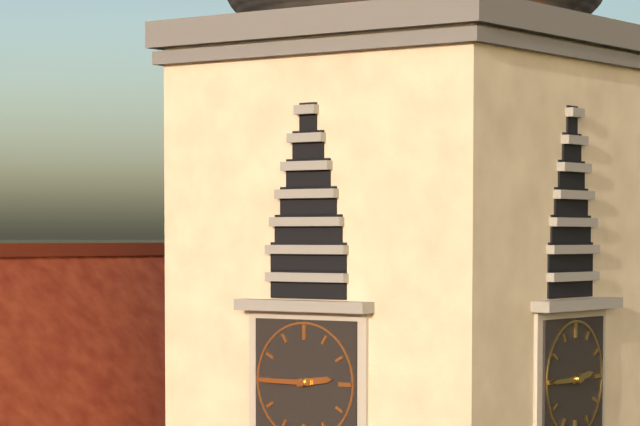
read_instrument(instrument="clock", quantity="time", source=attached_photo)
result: 2:45
